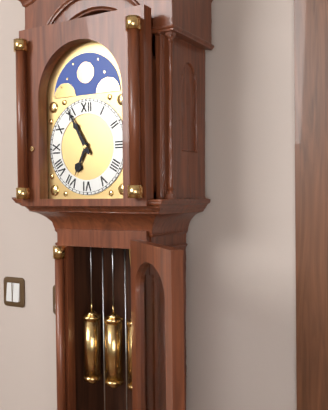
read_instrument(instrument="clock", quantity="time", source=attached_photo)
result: 6:55
